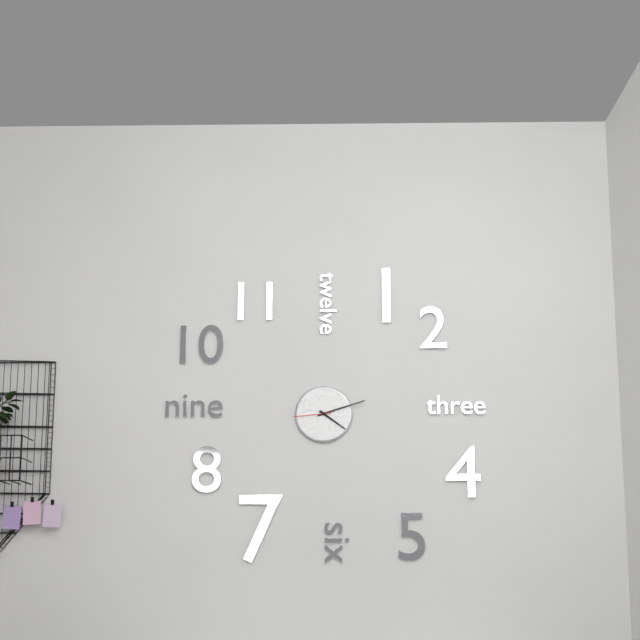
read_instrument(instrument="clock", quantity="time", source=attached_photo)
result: 4:12
